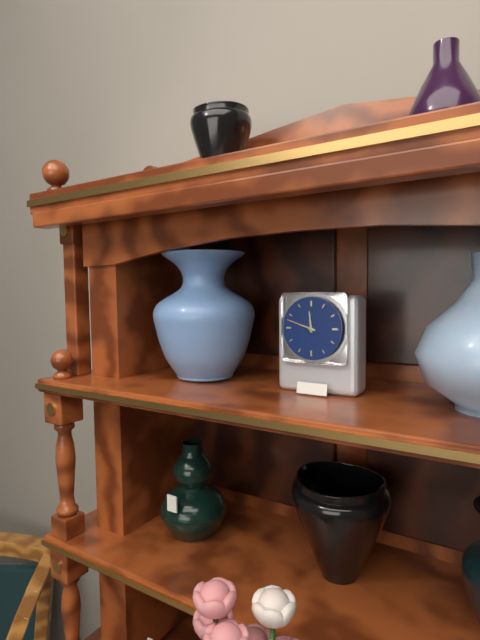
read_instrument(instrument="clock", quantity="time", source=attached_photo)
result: 11:48
